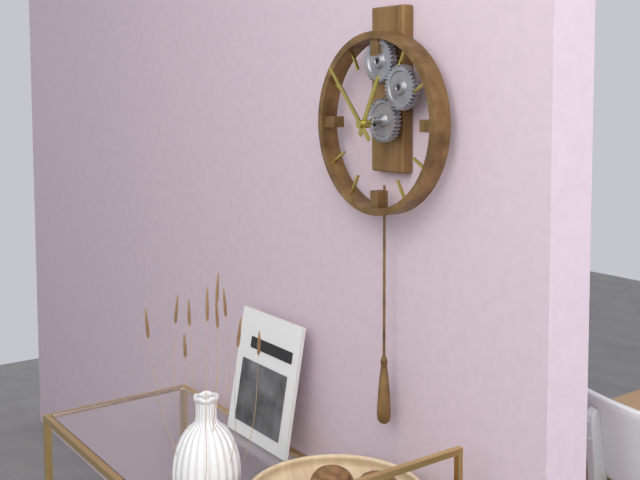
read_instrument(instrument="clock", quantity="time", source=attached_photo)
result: 12:53
